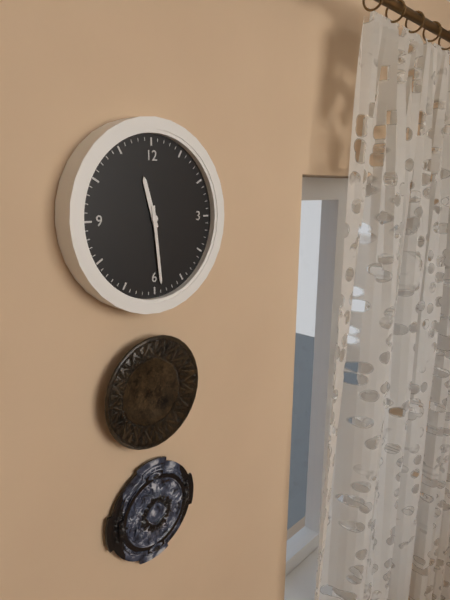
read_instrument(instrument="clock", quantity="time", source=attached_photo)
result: 11:29
